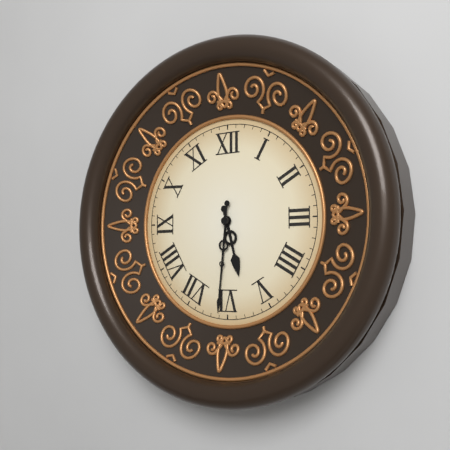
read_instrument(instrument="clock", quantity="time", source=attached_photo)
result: 5:31
